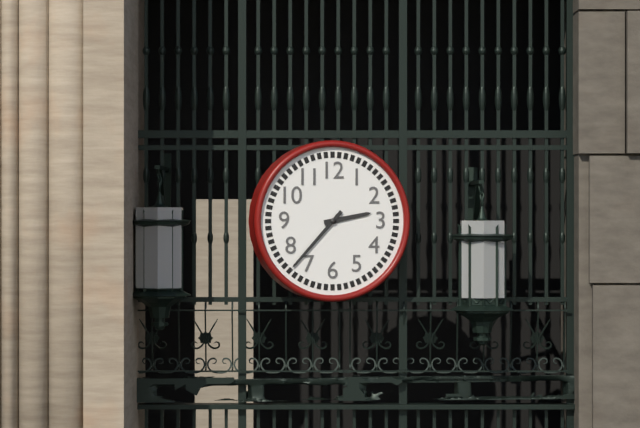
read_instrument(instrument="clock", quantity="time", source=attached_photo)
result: 2:37
